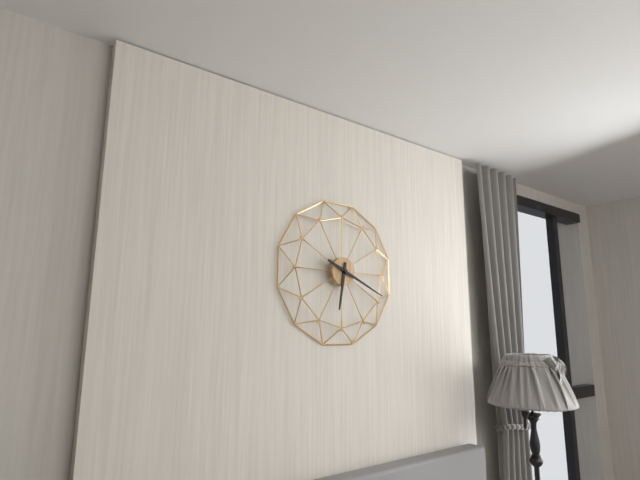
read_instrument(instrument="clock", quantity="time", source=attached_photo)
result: 6:19
